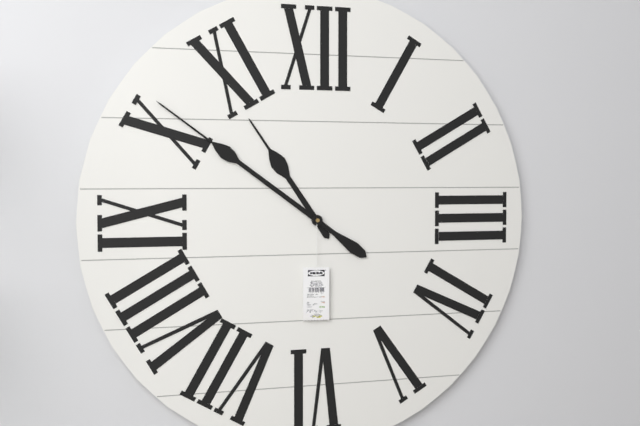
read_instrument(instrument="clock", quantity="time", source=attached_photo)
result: 10:51
